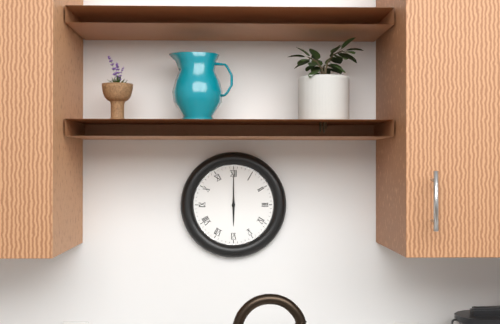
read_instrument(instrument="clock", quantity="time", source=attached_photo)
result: 6:00
